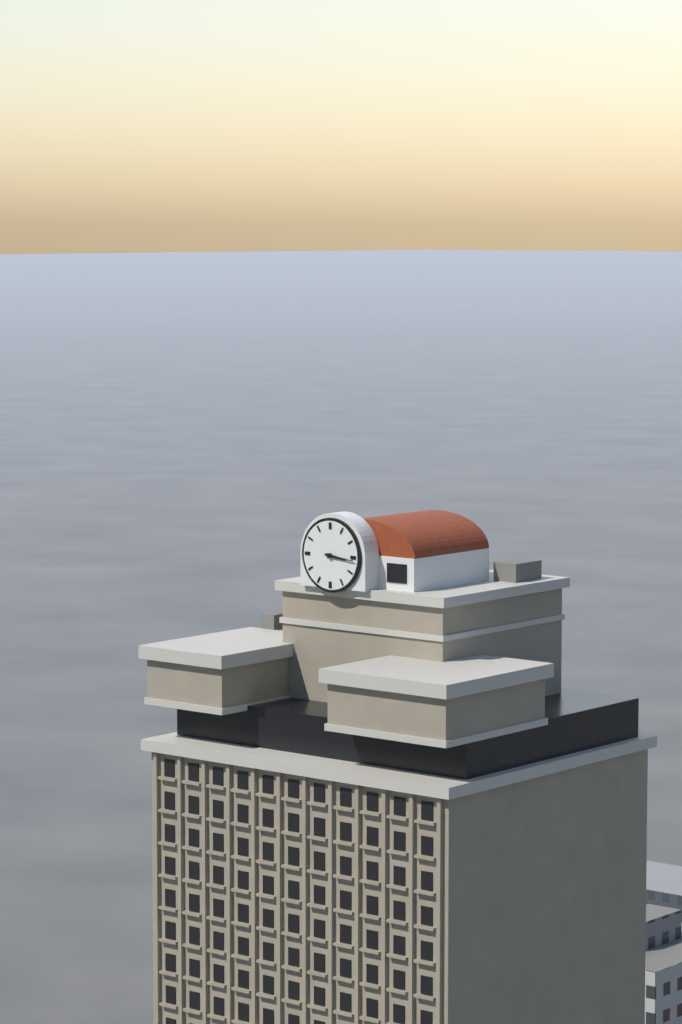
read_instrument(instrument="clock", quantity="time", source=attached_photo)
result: 3:16
